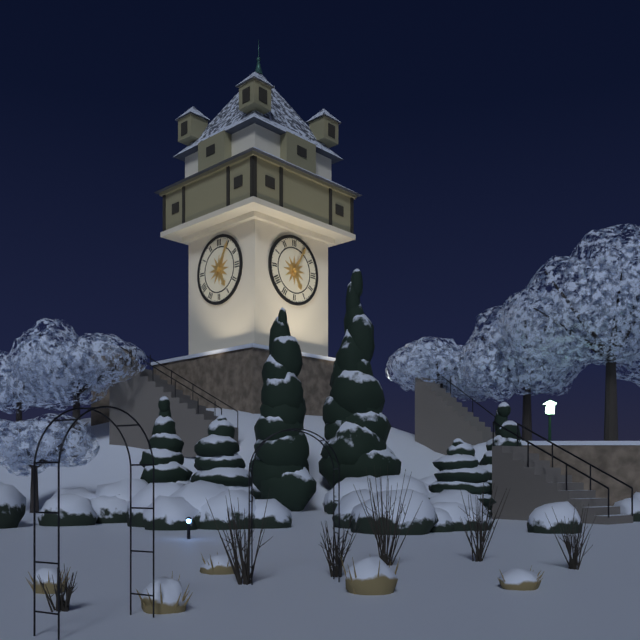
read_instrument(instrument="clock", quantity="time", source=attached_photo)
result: 5:05
